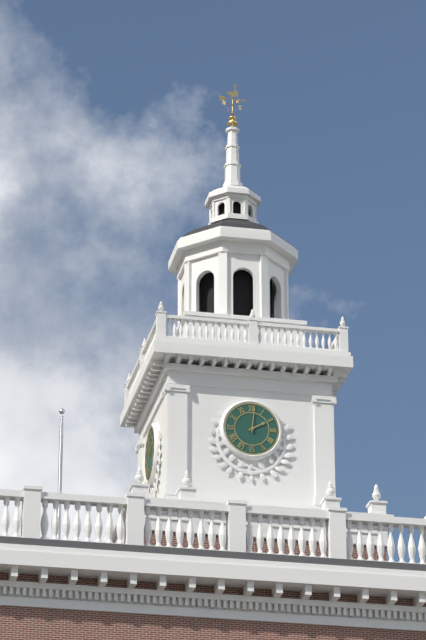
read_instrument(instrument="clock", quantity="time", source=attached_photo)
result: 2:01
